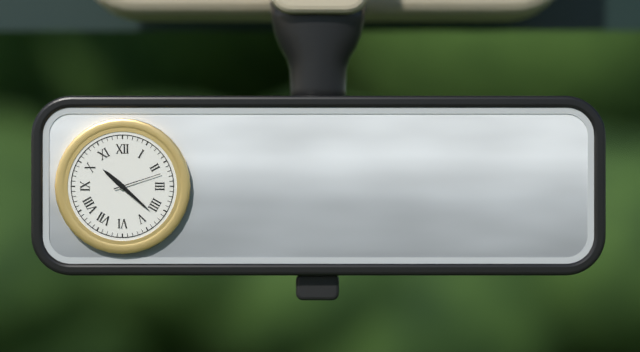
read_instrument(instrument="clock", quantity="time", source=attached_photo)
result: 10:22:12
